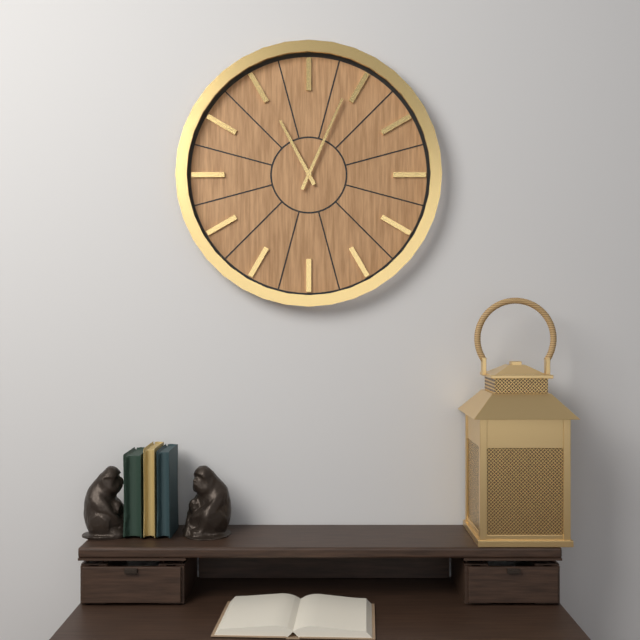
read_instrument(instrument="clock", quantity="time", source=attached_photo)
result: 11:04
